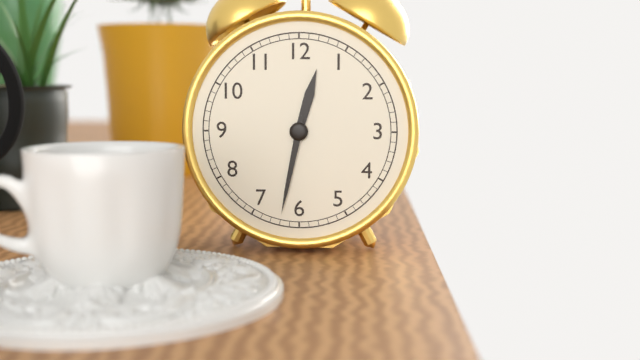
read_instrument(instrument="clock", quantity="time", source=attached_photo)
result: 12:32
